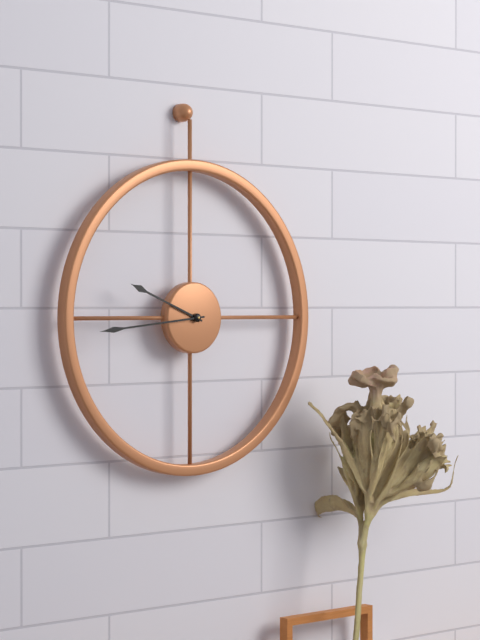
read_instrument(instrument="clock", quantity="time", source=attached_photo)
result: 9:44
